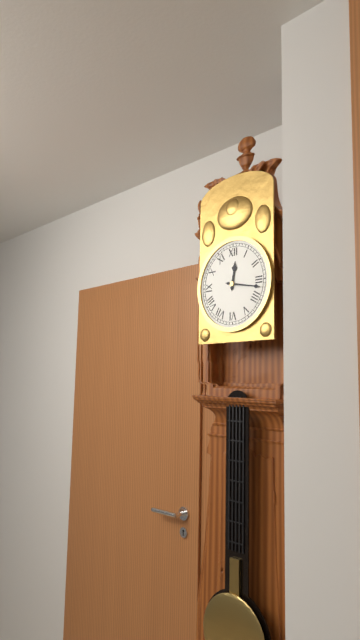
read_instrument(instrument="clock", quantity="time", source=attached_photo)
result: 12:17
